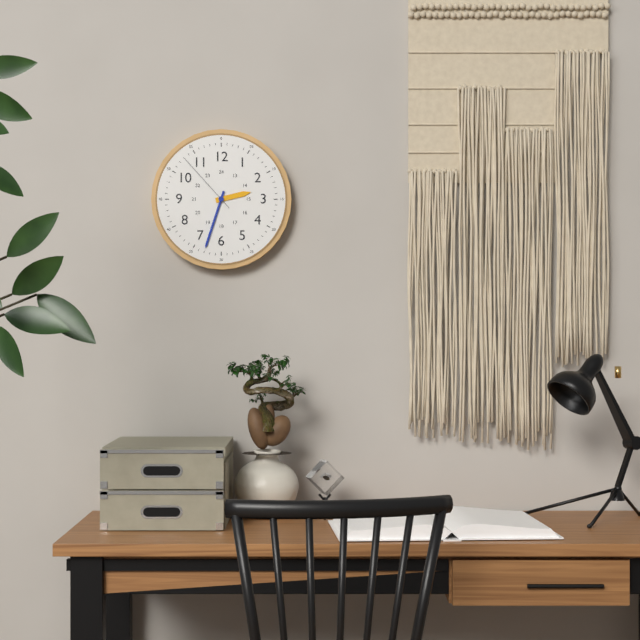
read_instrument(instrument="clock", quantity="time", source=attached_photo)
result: 2:33:53
